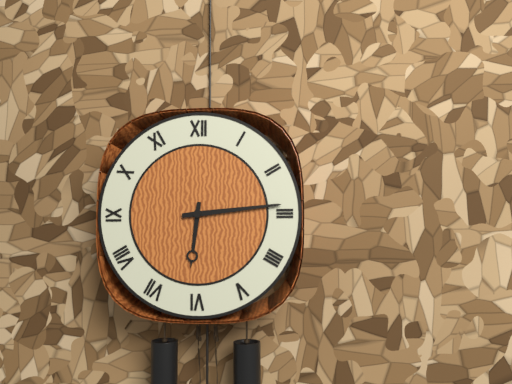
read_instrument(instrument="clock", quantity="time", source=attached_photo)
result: 6:14
